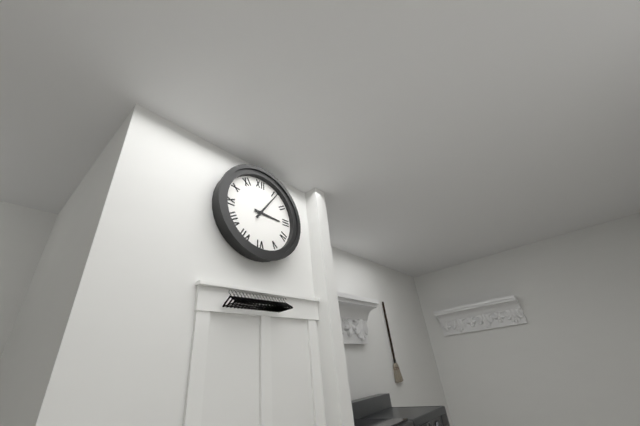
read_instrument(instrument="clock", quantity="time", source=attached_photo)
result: 3:06
